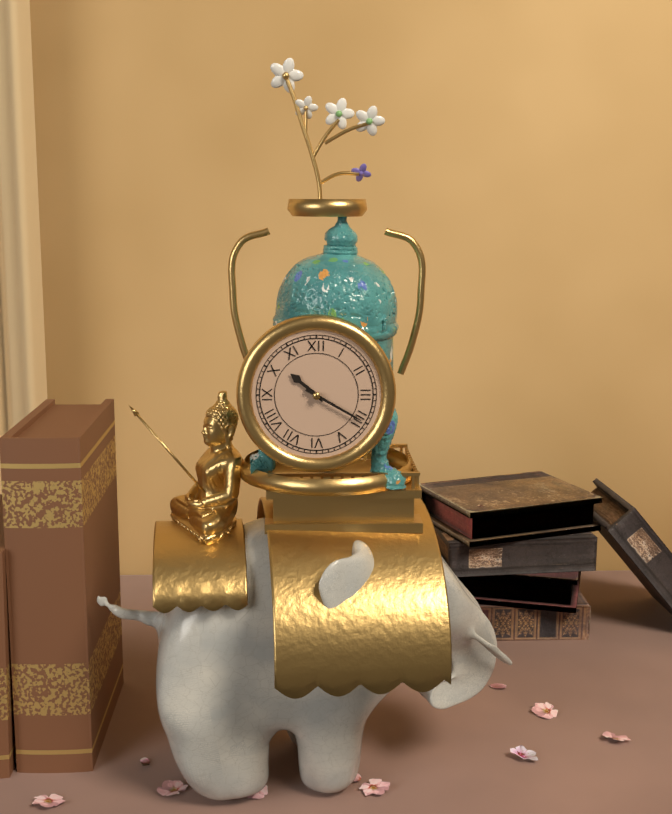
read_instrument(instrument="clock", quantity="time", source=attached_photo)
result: 10:20
